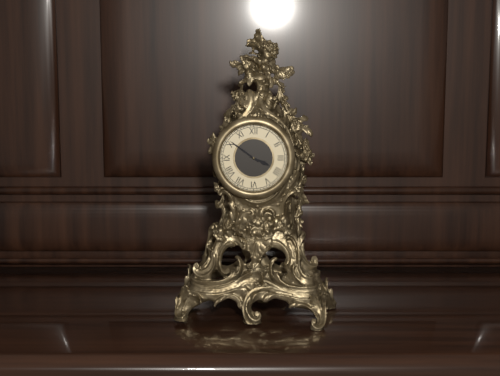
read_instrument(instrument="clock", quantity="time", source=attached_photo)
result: 3:51
